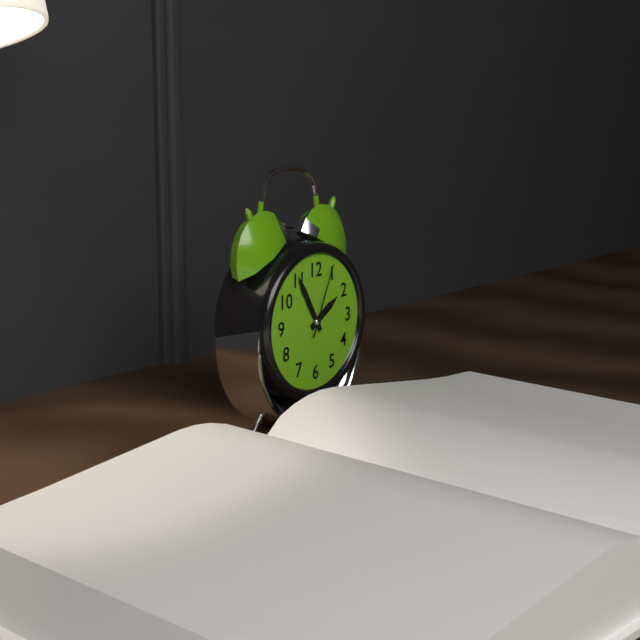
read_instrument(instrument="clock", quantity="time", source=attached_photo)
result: 1:55:04
